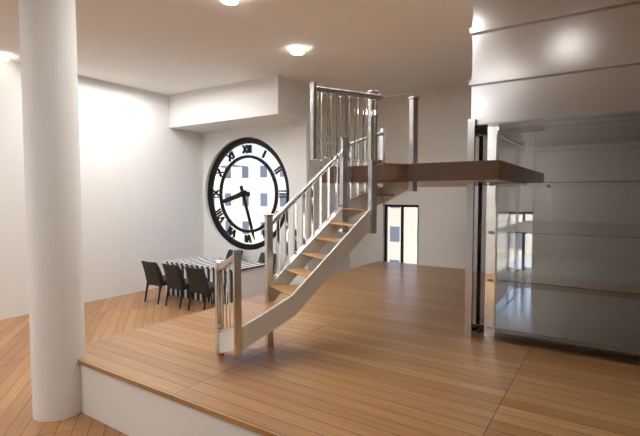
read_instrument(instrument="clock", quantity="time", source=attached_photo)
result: 8:27
